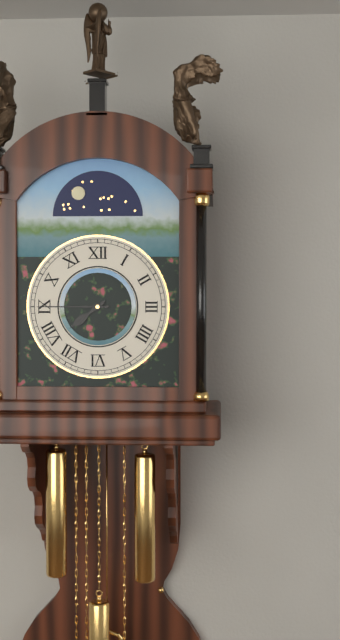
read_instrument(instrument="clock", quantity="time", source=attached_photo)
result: 7:45
